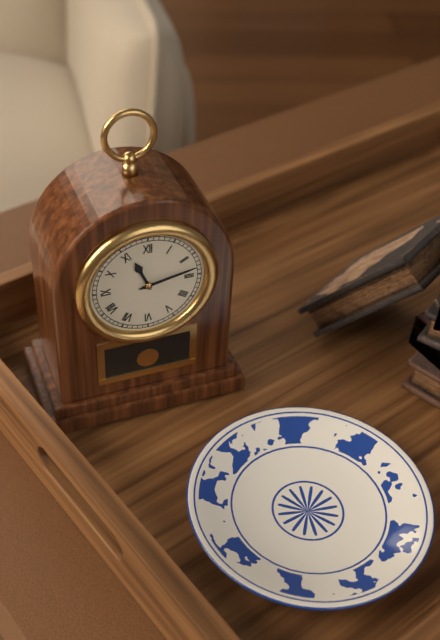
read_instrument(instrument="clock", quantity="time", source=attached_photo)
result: 11:13
